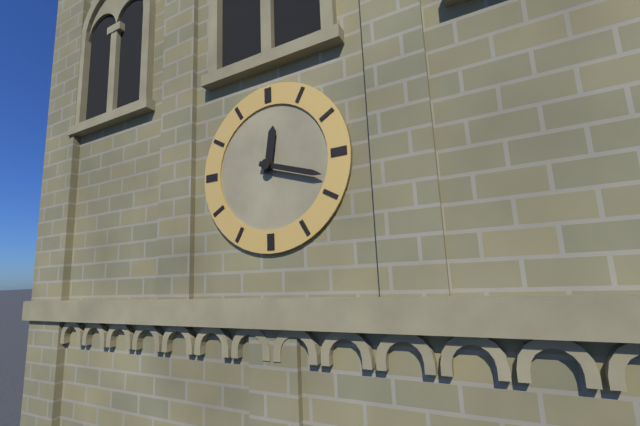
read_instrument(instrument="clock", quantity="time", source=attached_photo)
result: 12:18
